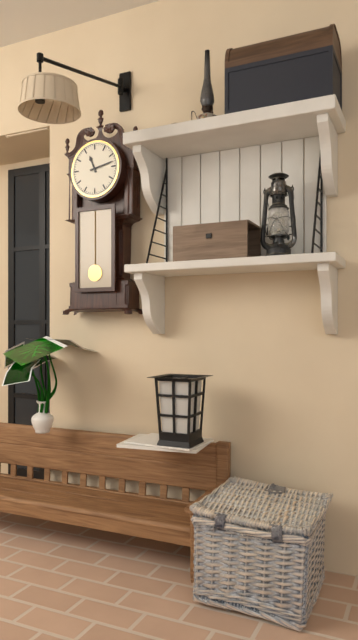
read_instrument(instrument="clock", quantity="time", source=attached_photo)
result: 11:13
